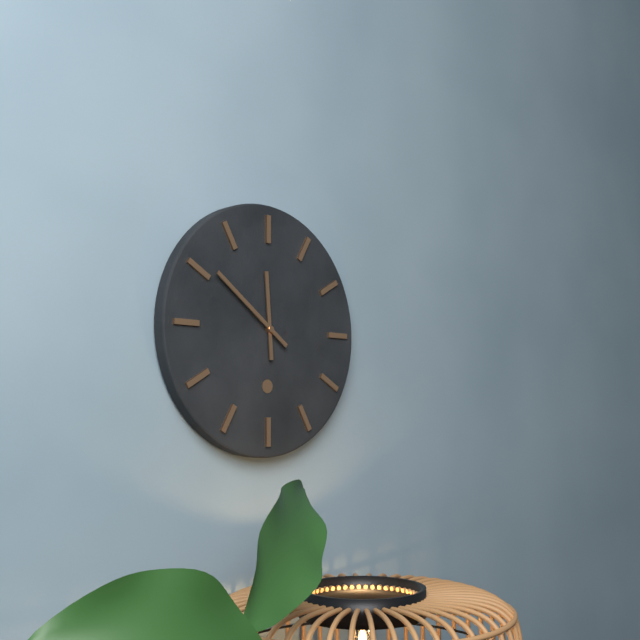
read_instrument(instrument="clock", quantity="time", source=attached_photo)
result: 11:51
